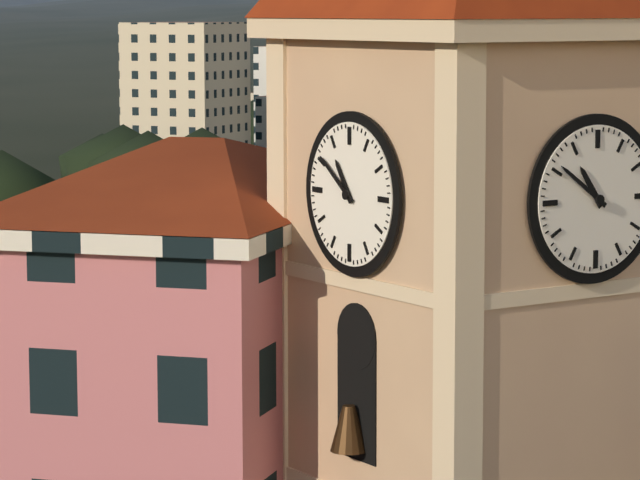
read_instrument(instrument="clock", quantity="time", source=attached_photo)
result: 10:51
